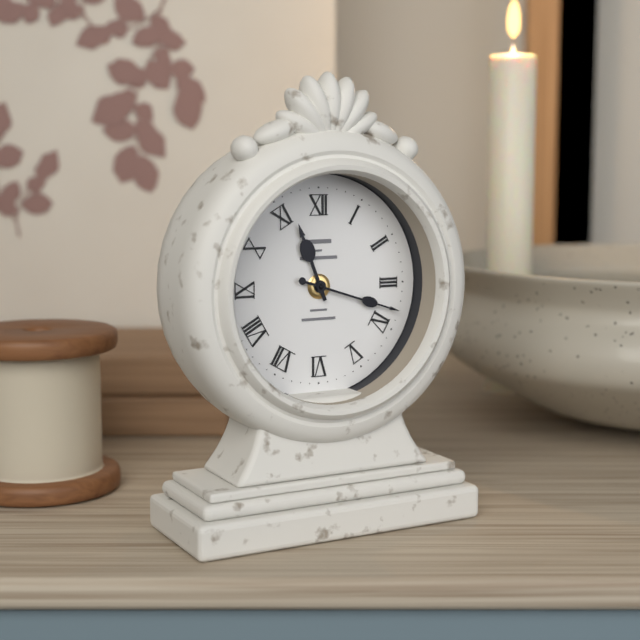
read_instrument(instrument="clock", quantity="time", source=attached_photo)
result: 11:18
